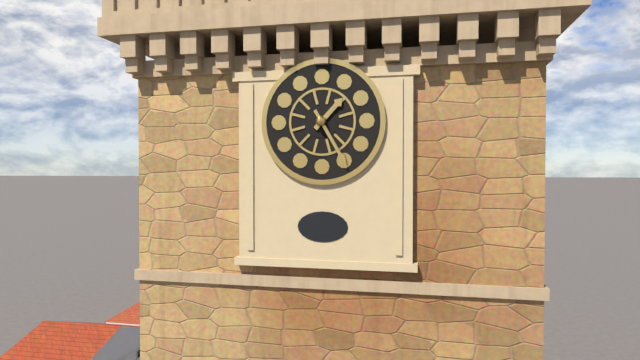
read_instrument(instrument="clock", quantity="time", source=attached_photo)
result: 1:25
